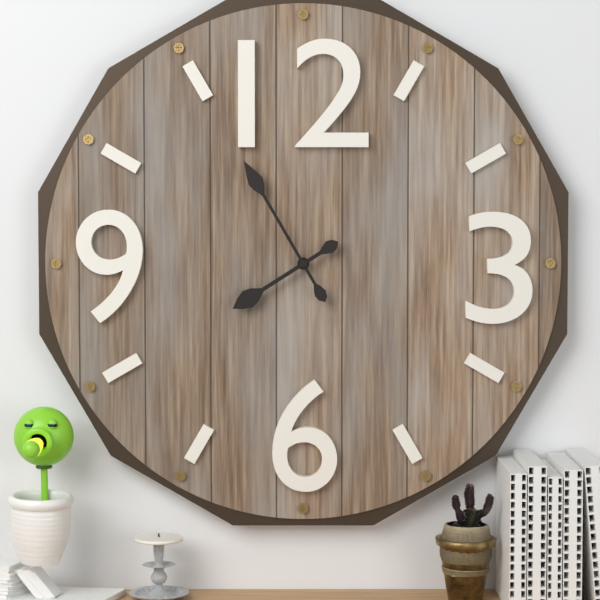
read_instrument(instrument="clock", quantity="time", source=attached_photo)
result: 7:55
